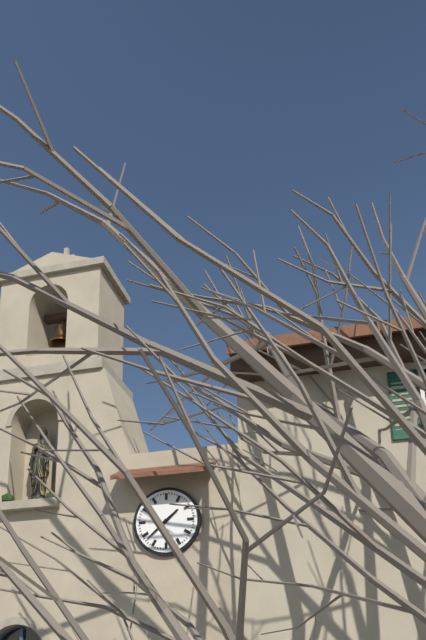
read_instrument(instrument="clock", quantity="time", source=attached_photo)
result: 1:38
